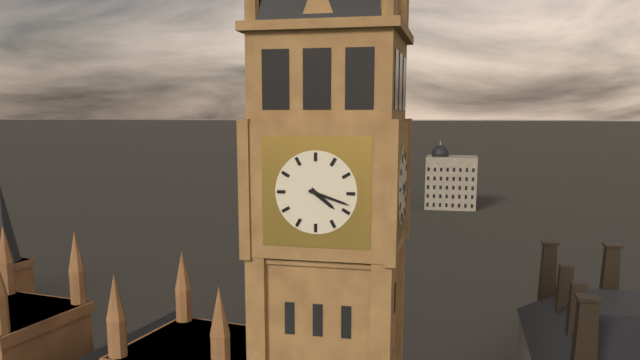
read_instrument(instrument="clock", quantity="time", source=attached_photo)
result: 4:18
